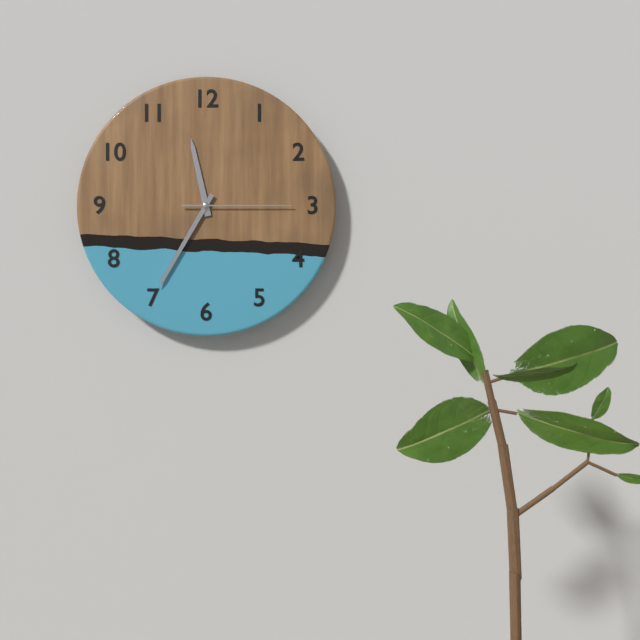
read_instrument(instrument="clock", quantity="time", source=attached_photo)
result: 11:35:15
